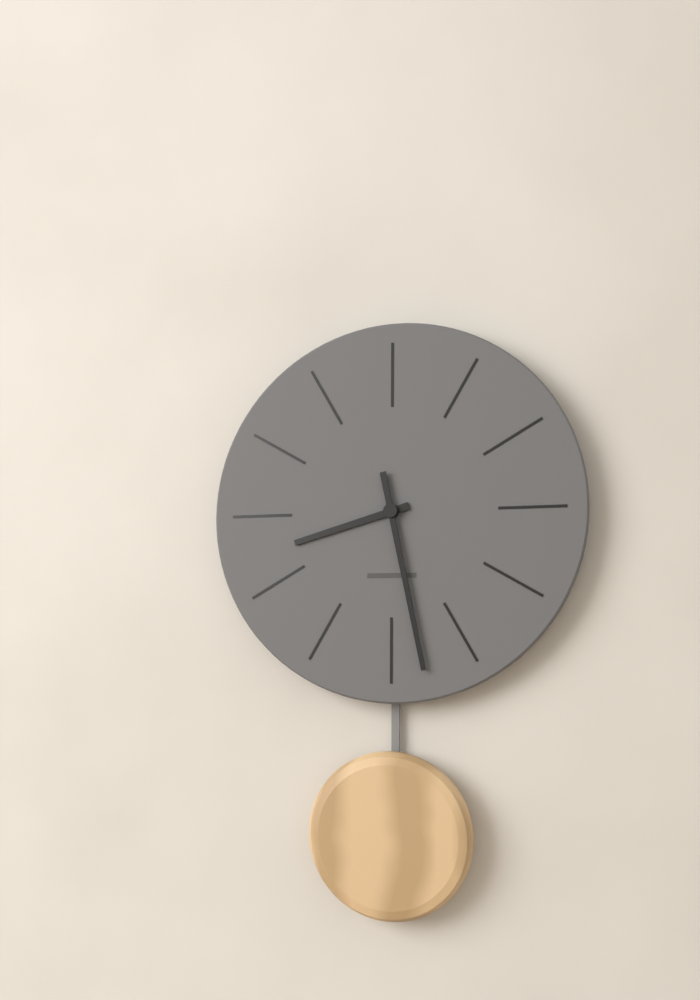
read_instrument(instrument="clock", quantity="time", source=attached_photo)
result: 8:28
